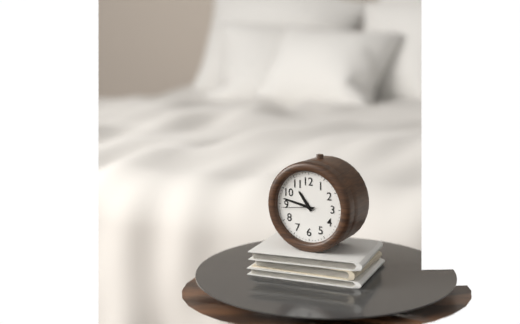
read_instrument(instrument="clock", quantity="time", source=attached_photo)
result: 10:47
